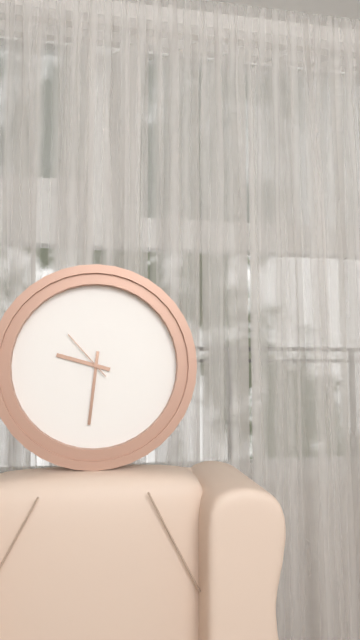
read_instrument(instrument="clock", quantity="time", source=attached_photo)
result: 9:31:53
